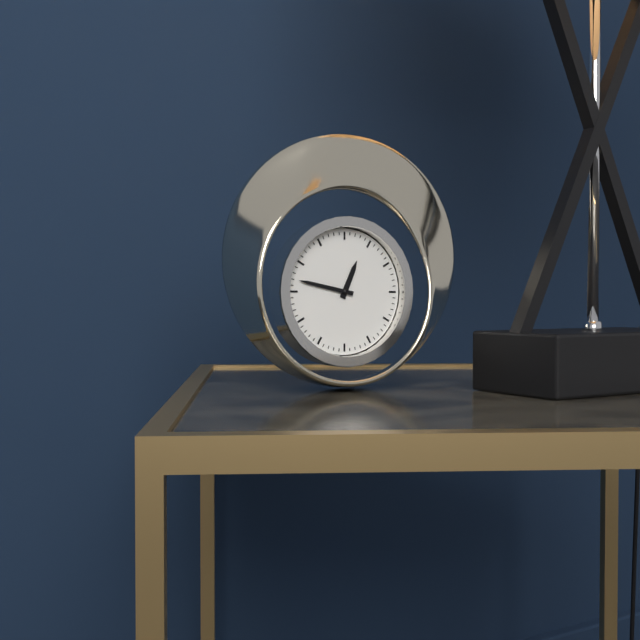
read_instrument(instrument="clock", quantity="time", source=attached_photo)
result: 12:47
